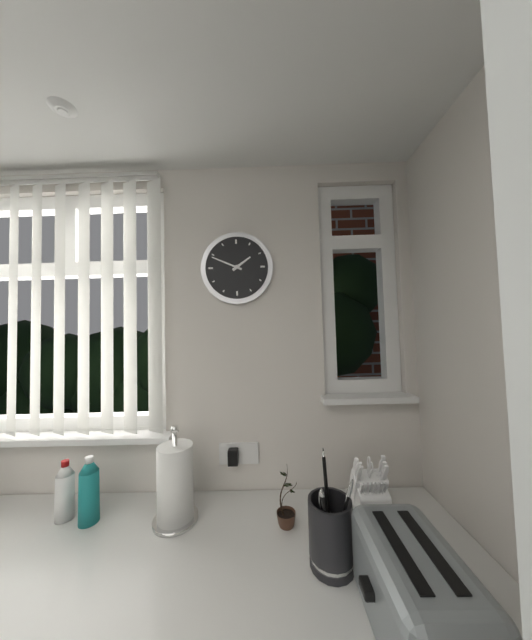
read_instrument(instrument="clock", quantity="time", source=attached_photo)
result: 1:49
